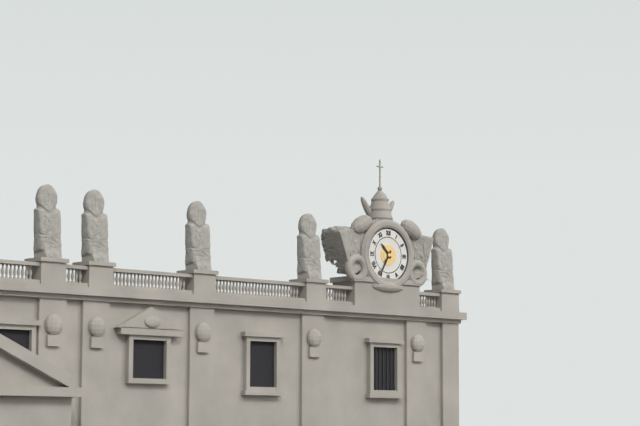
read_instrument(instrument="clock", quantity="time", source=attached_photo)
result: 10:35
